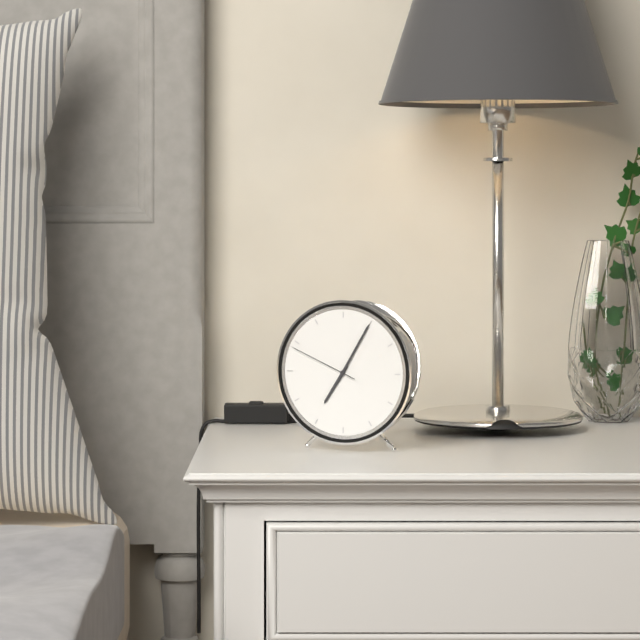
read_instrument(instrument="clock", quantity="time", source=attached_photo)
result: 7:05:49
